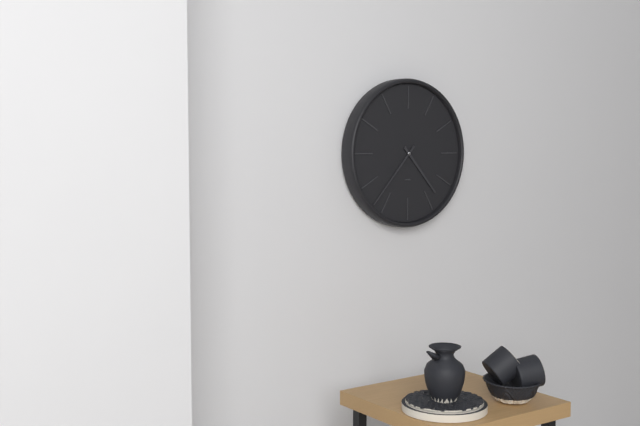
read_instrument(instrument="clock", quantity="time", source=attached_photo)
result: 4:37
